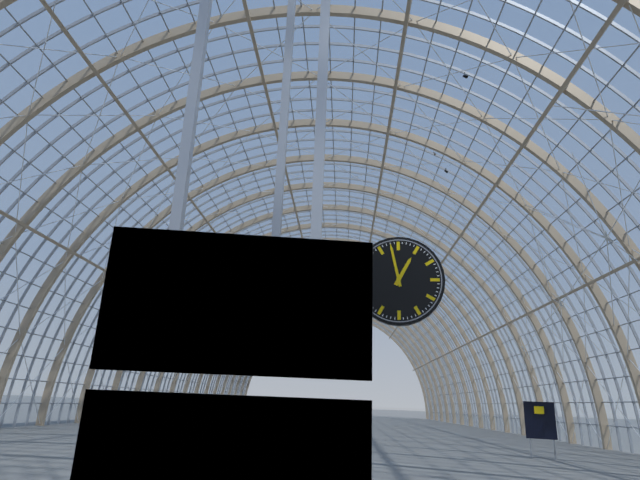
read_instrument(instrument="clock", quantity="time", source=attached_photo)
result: 12:58
